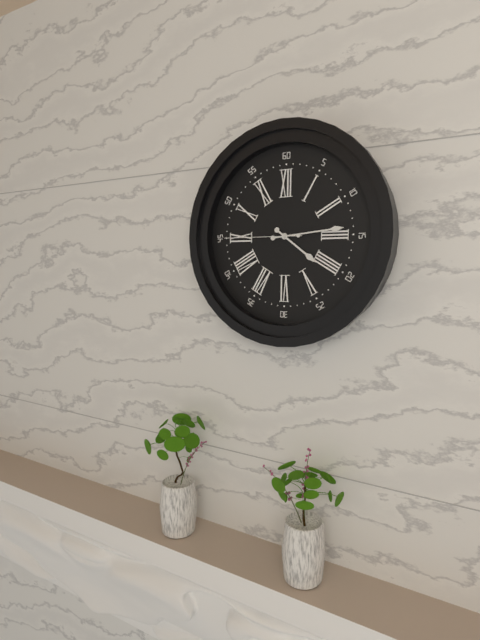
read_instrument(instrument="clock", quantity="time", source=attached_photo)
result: 4:14:45
